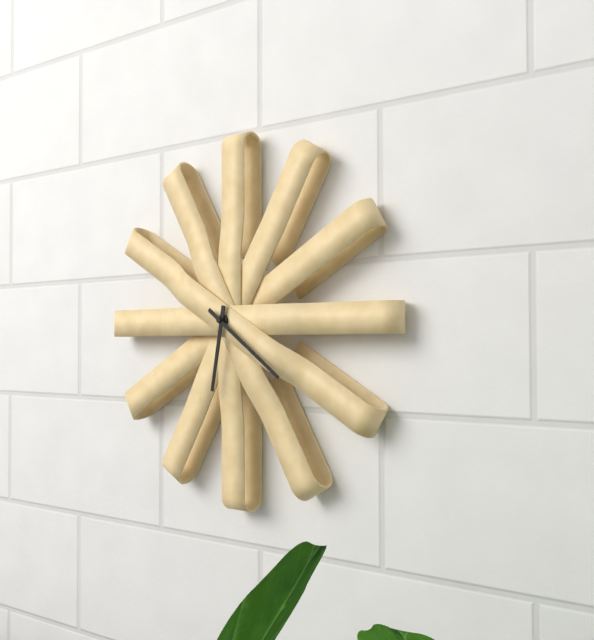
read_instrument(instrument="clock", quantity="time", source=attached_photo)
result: 6:21
